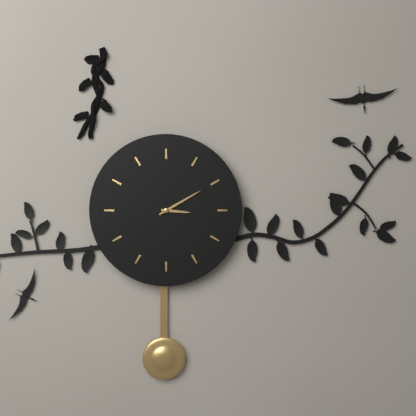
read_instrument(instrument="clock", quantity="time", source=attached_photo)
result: 3:10
